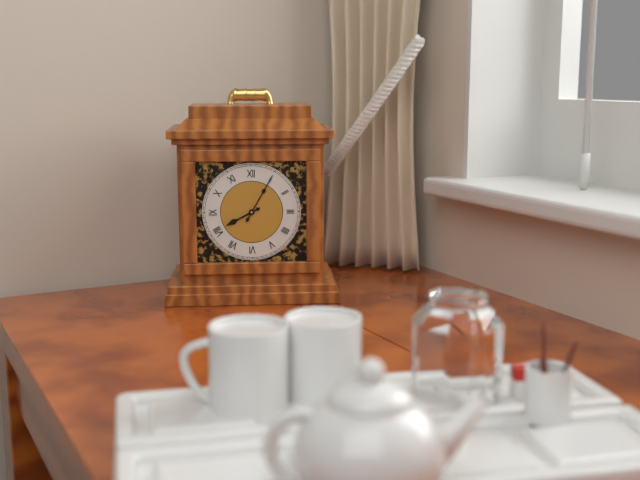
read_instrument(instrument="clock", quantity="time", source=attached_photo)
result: 8:05
